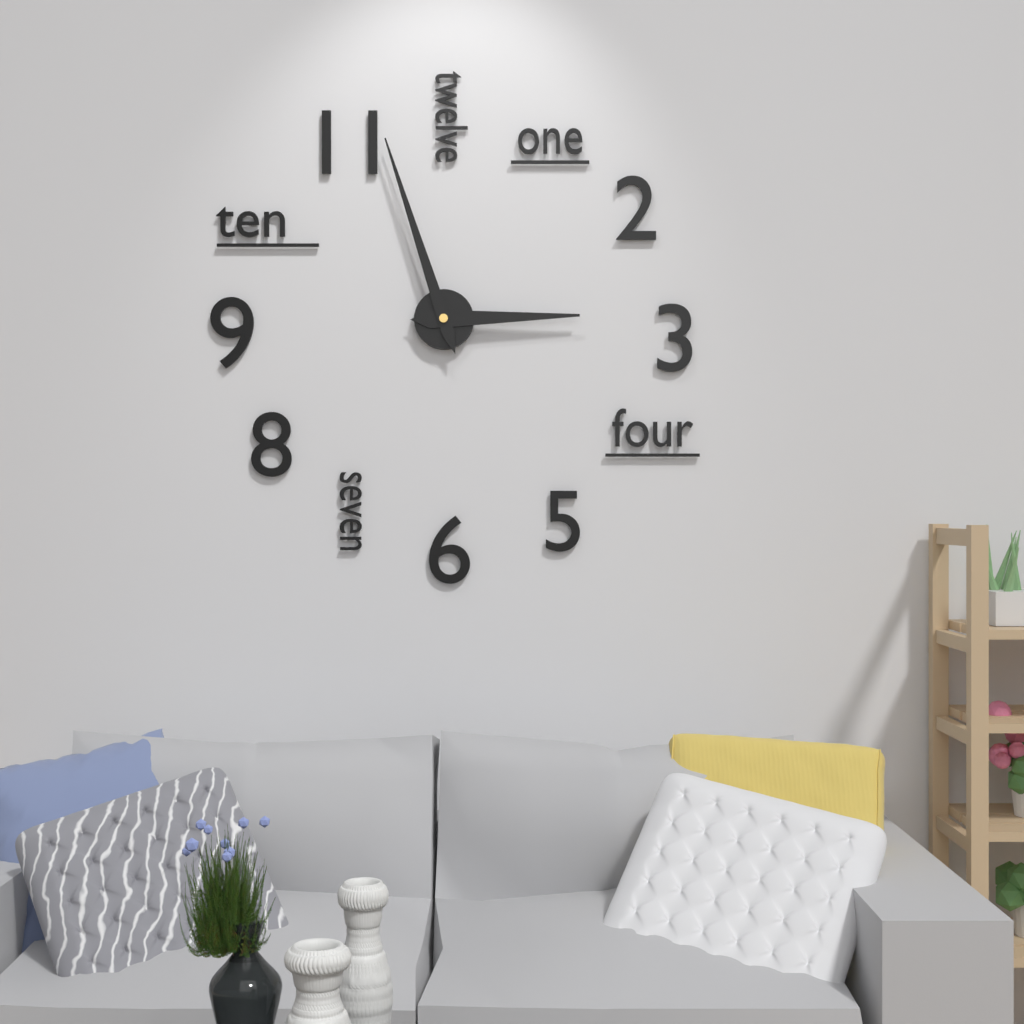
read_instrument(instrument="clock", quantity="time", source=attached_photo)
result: 2:57
